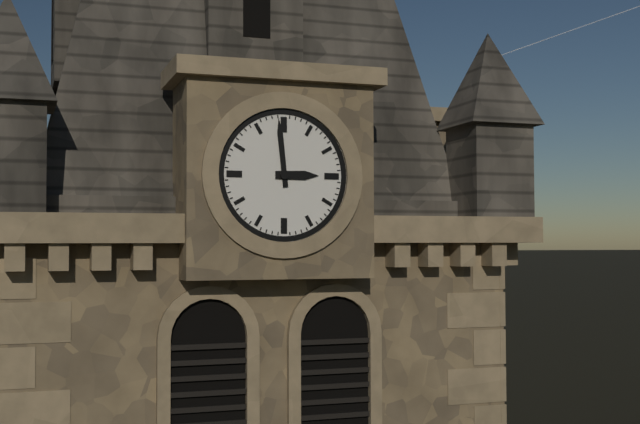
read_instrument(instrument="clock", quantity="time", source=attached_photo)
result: 2:59
